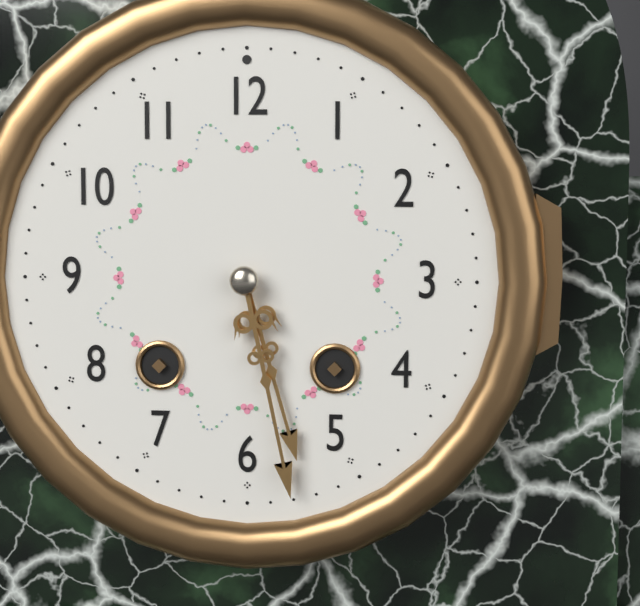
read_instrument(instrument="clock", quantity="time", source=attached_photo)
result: 5:28
